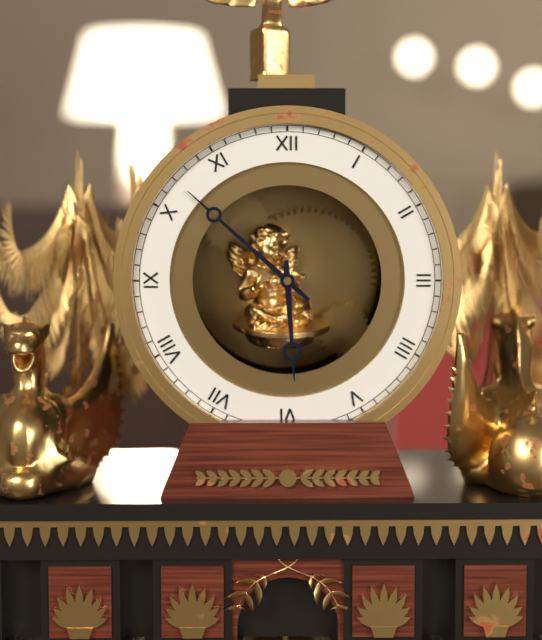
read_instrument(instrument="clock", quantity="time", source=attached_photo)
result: 5:52
